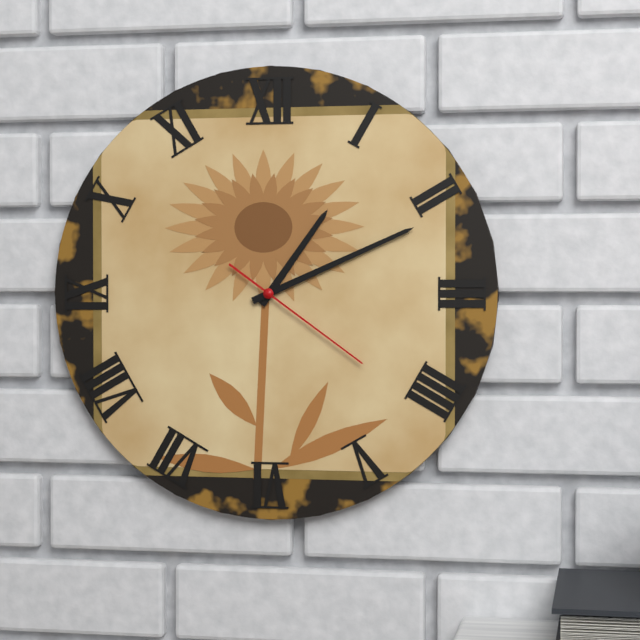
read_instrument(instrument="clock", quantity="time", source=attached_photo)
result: 1:11:21
